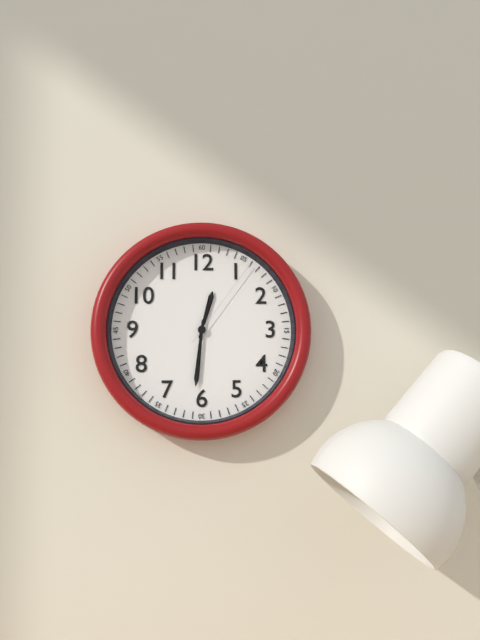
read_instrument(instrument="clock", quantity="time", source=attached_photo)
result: 12:31:06
